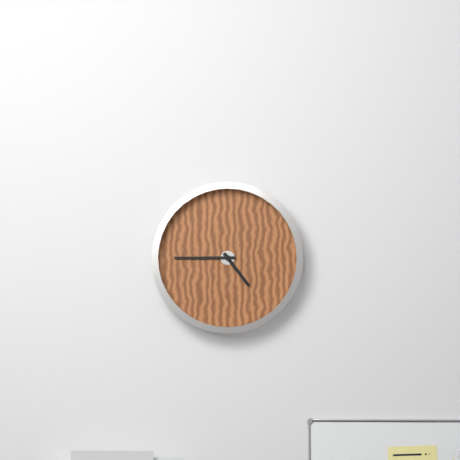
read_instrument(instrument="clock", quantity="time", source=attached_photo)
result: 4:45
